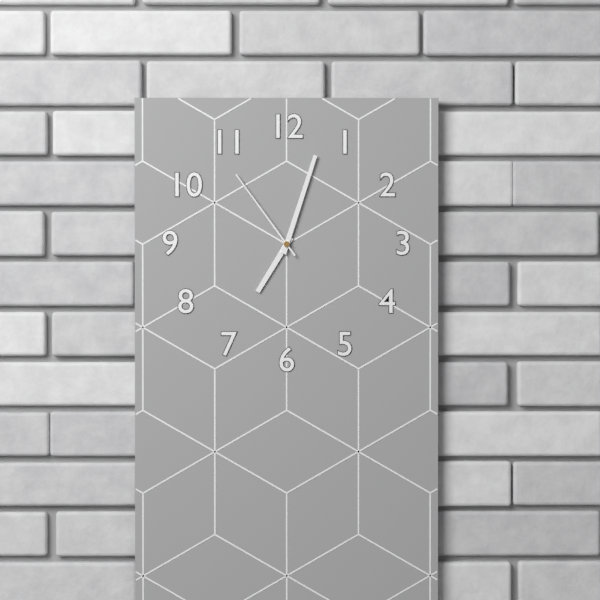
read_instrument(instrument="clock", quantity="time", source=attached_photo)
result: 7:03:54
